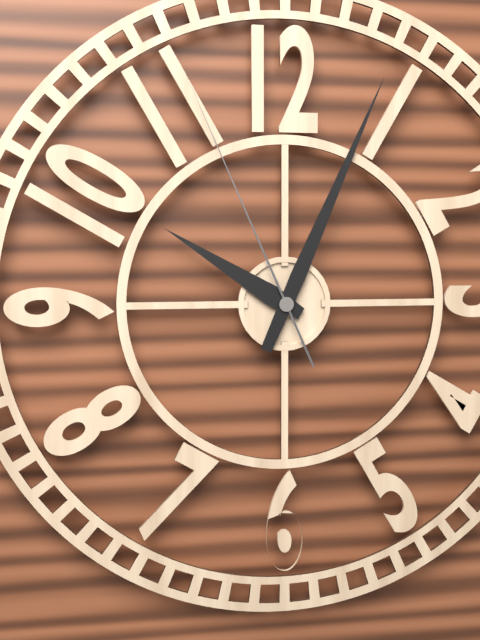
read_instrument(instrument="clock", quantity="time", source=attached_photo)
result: 10:04:56
